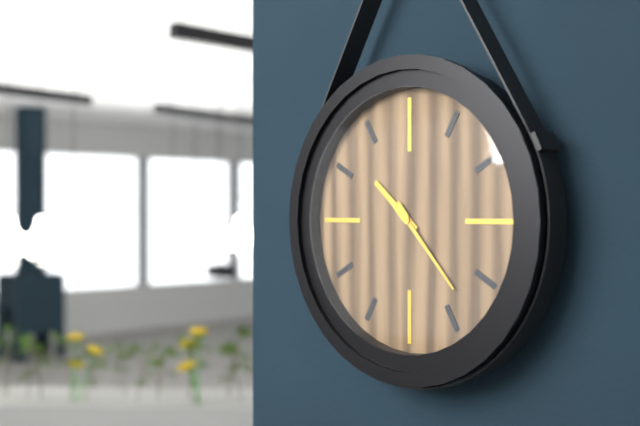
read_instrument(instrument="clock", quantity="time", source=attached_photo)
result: 10:23
